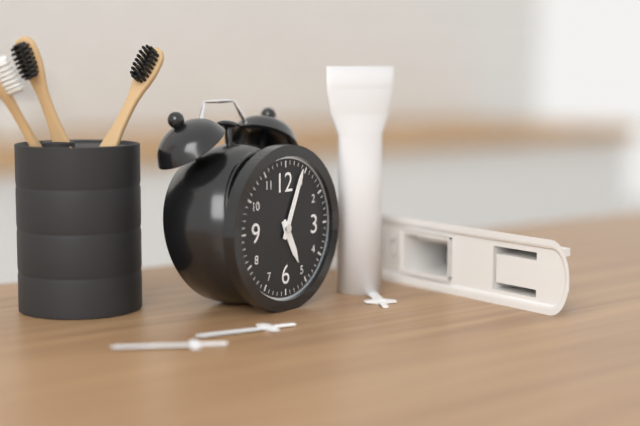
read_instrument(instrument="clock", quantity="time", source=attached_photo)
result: 5:04
